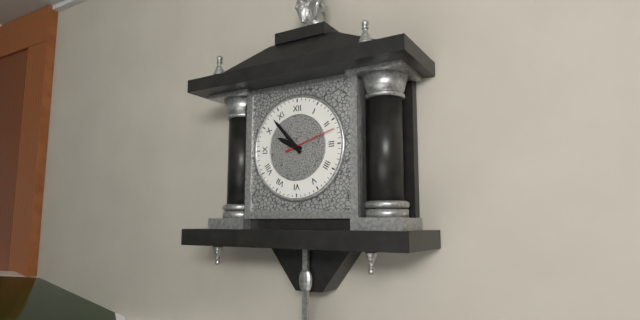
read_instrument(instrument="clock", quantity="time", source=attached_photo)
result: 9:53
